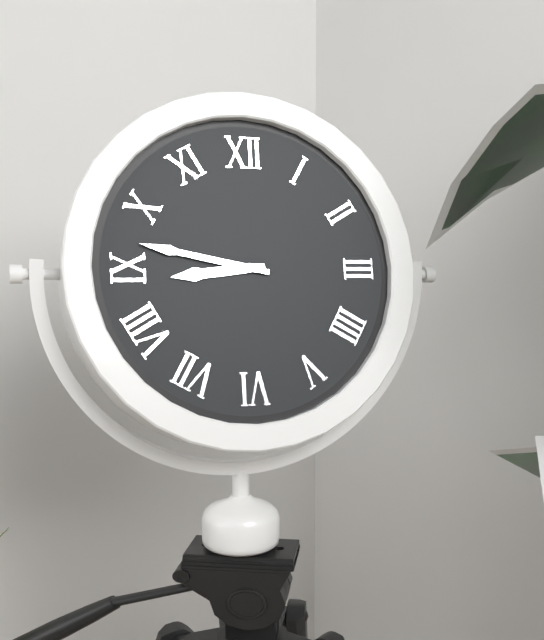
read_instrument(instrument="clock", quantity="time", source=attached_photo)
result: 8:47
